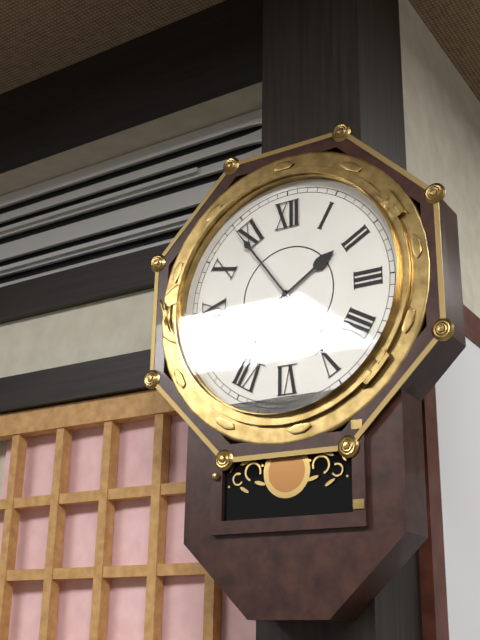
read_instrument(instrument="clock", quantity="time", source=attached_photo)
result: 1:54
